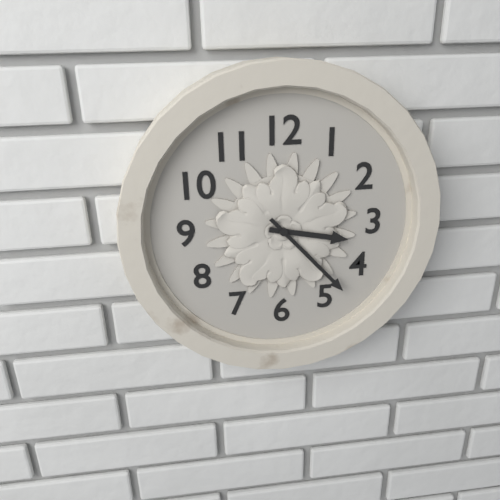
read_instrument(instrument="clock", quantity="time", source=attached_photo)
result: 3:23
